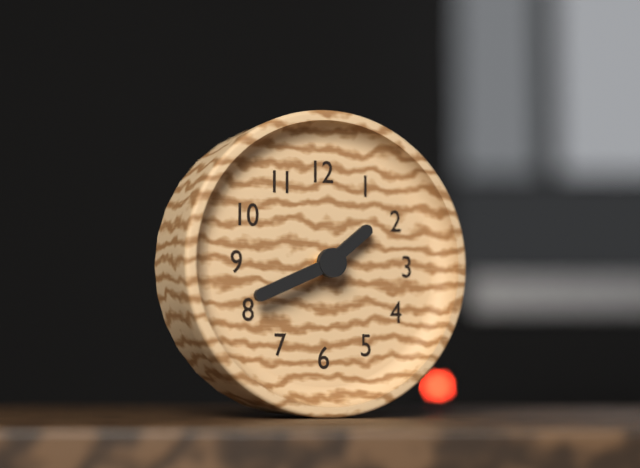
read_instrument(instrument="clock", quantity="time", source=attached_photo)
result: 1:41
